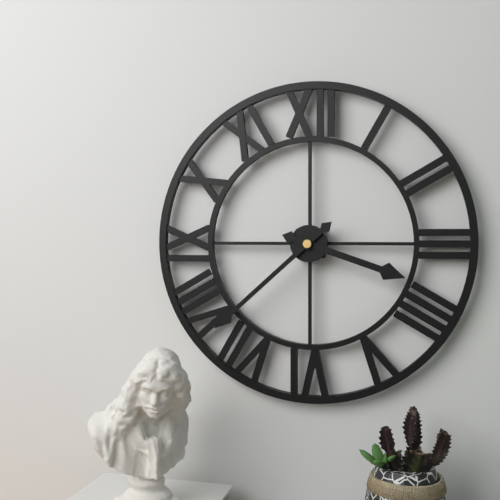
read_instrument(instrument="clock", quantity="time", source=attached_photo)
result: 3:38
